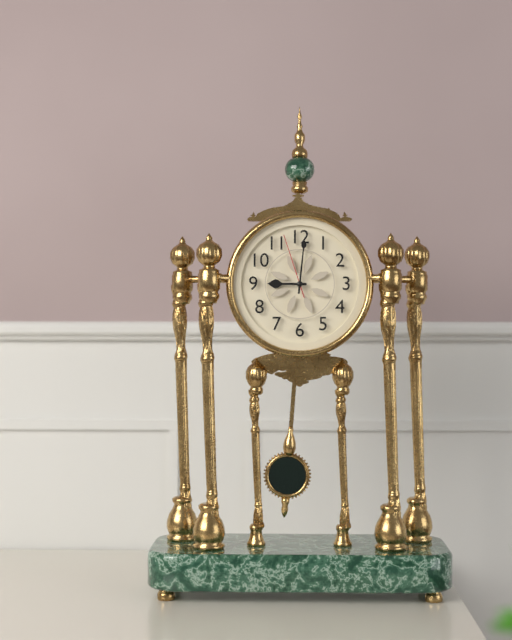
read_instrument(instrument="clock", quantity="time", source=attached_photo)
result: 9:01:57
